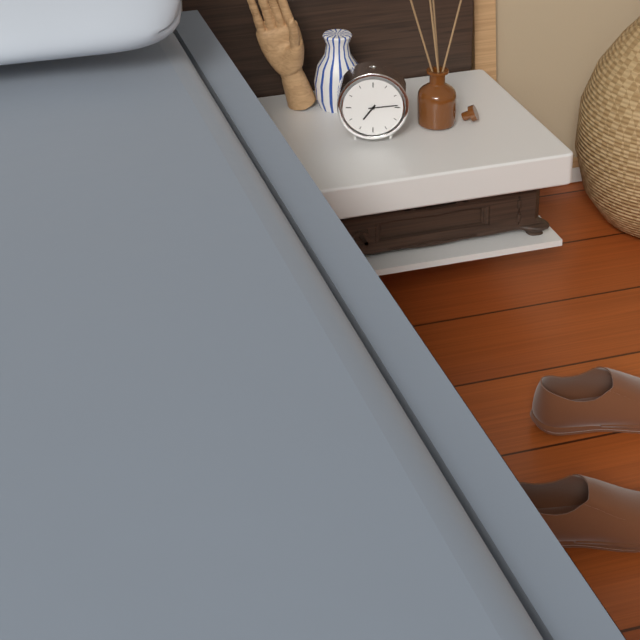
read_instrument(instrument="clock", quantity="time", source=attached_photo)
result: 7:14
